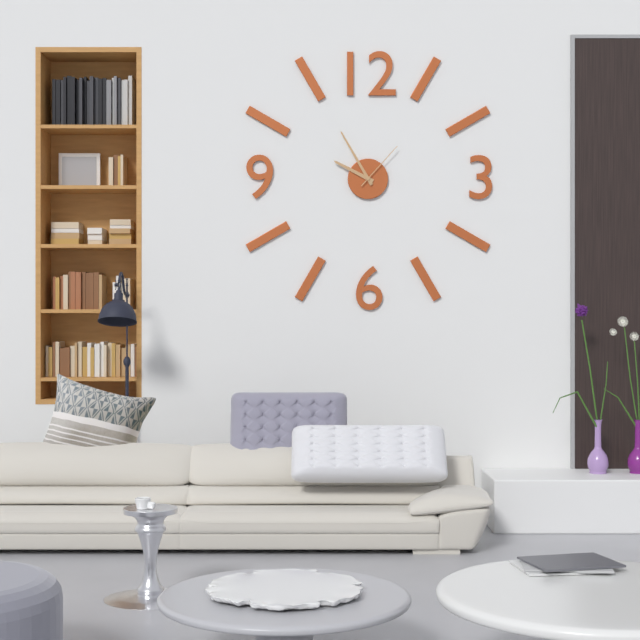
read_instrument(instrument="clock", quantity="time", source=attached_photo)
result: 9:55:07
